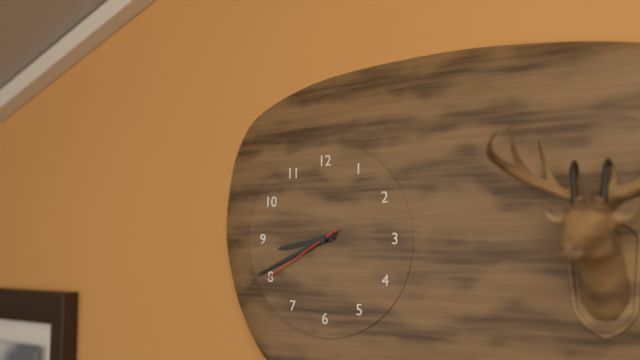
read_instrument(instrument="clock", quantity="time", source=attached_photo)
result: 8:41:40
